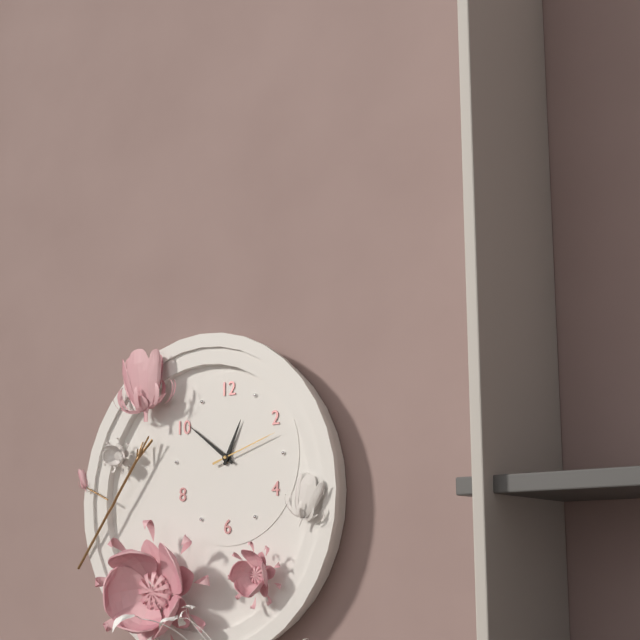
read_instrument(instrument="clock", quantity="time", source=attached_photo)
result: 12:51:12
